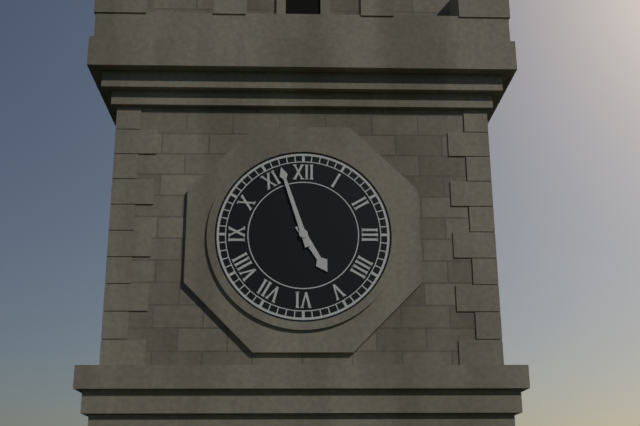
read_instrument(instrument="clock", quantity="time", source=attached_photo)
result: 4:57
